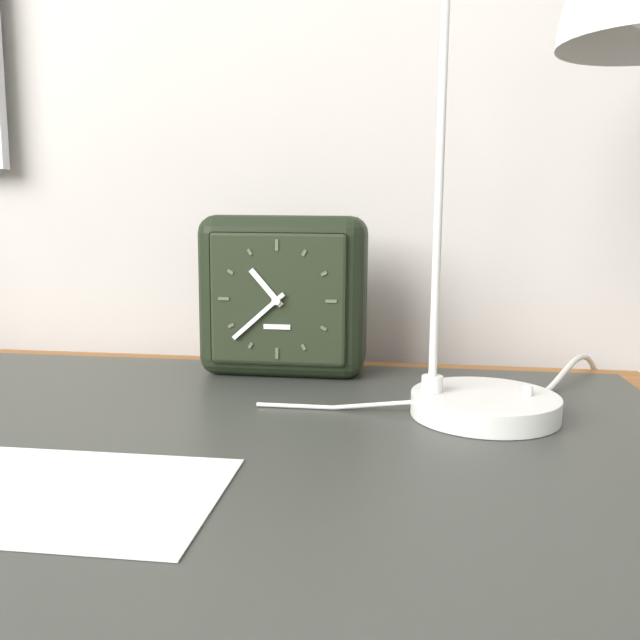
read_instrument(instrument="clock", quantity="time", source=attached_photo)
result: 10:38
